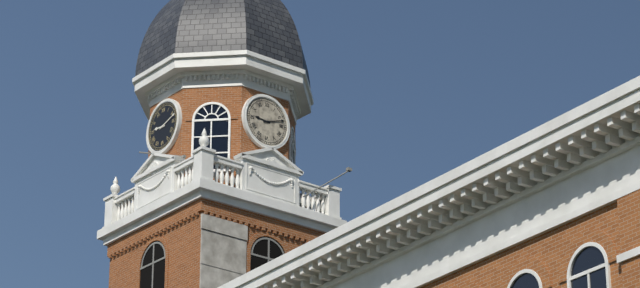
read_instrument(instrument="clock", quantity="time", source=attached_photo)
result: 9:12
